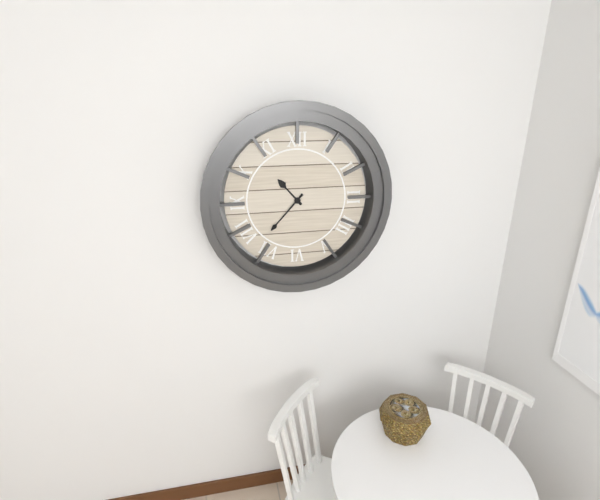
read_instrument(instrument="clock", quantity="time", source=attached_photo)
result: 10:37
